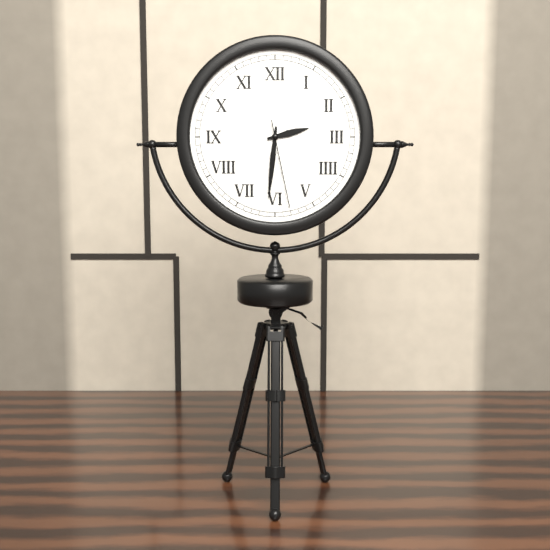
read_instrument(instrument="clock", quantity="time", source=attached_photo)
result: 2:31:28
